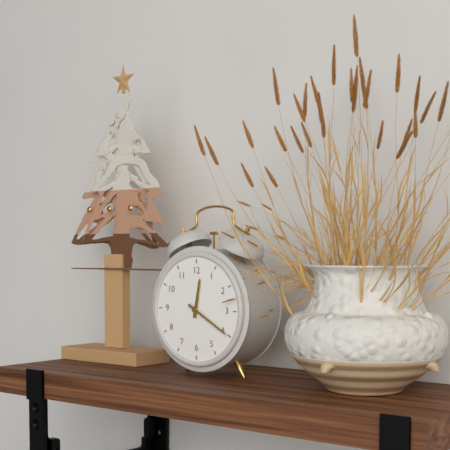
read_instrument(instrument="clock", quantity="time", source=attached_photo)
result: 12:20
